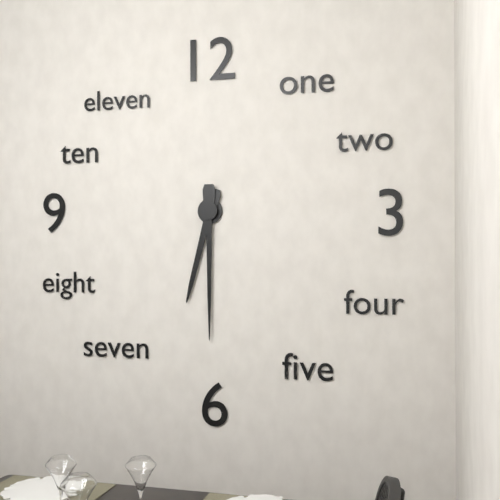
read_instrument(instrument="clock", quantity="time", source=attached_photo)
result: 6:30
